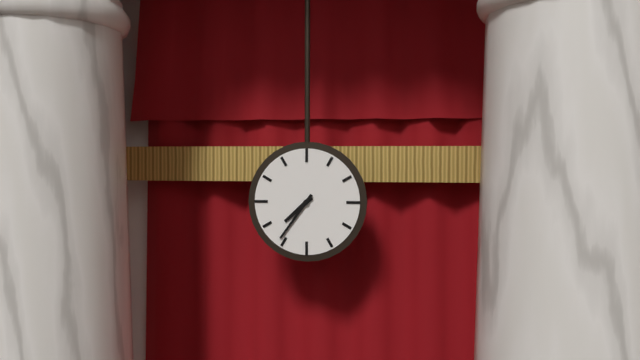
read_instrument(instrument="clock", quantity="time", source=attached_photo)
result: 7:36
